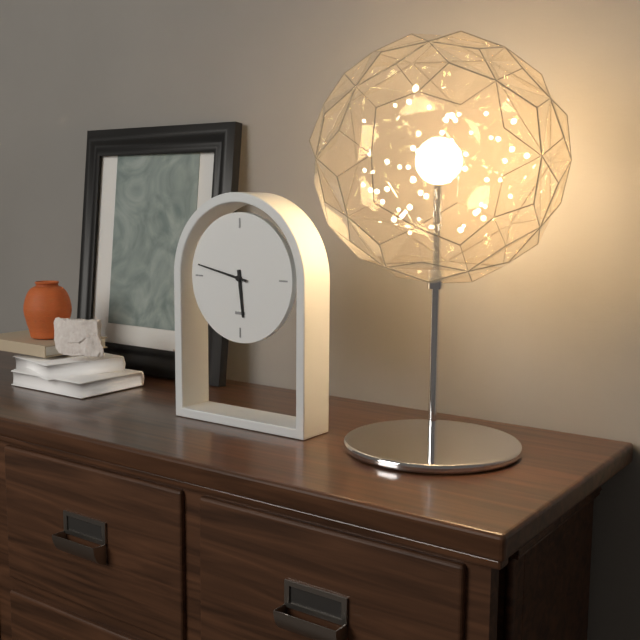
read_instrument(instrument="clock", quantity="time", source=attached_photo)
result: 5:47
